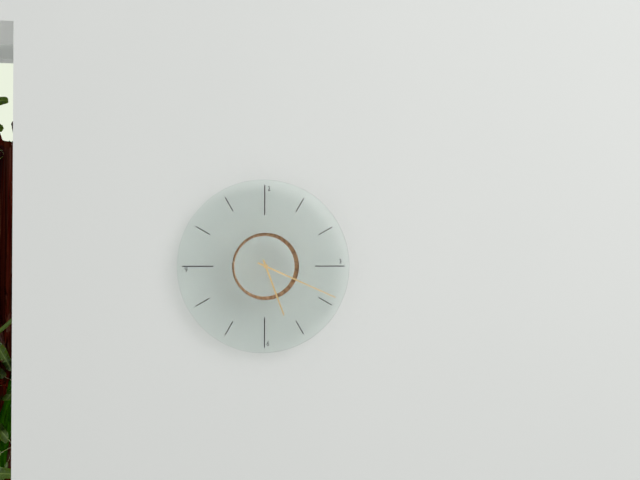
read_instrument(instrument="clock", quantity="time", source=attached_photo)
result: 5:19
